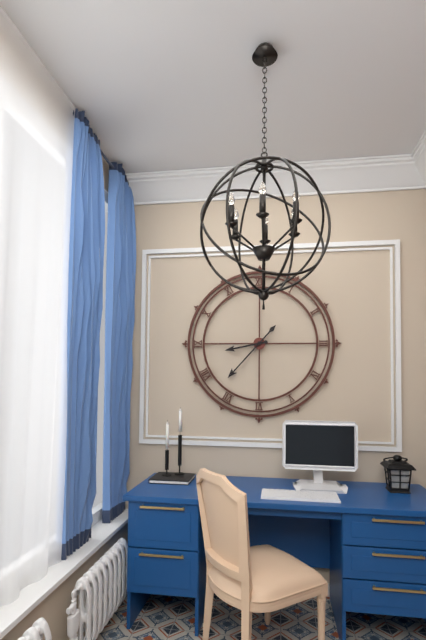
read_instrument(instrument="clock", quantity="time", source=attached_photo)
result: 8:37
